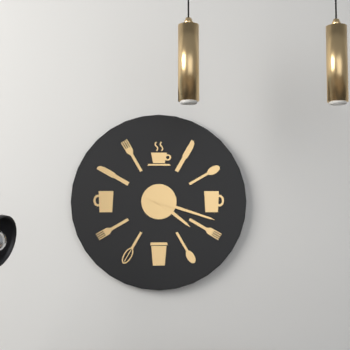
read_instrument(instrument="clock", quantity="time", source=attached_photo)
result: 4:18
